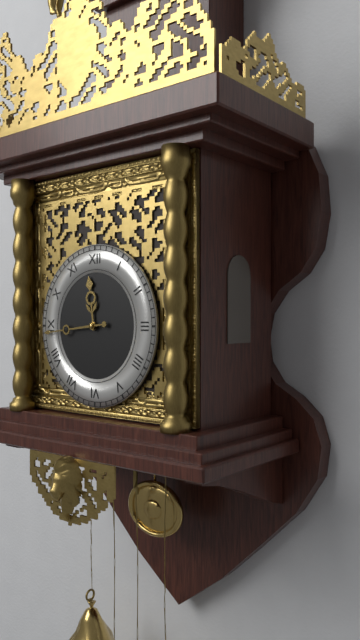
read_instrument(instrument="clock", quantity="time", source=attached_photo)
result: 11:44
